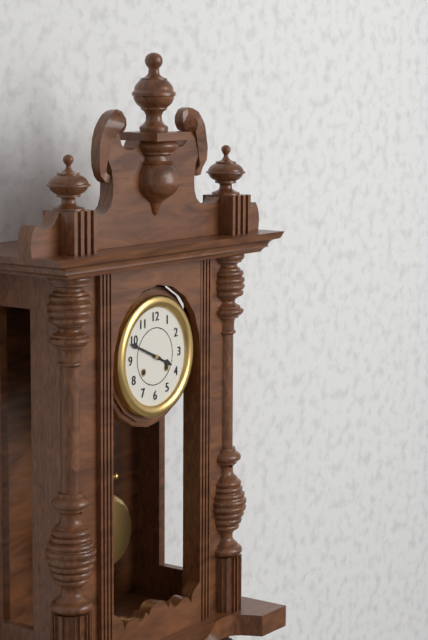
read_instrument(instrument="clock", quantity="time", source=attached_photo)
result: 3:49
